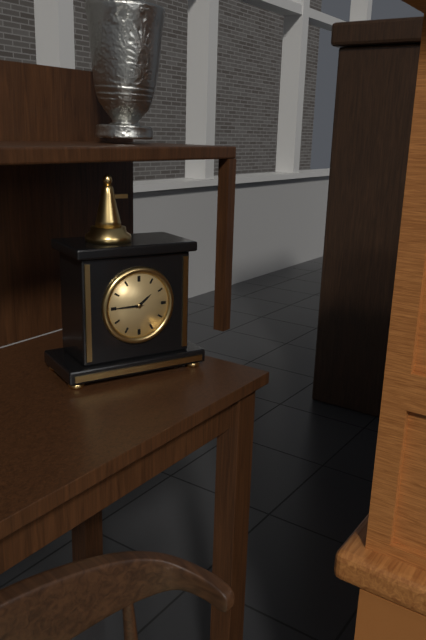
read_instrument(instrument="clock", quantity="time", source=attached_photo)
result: 1:45
